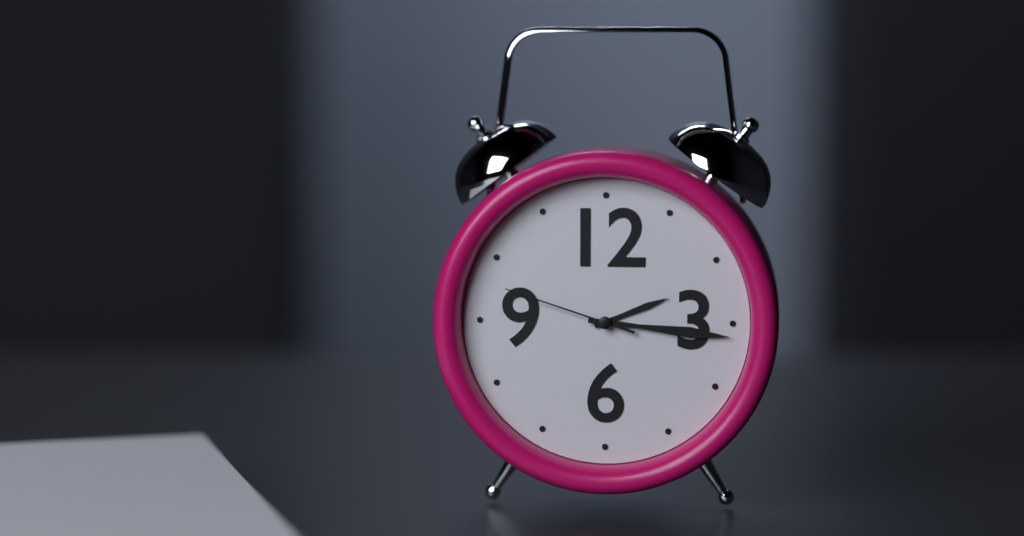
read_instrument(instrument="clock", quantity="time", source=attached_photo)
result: 2:16:48
